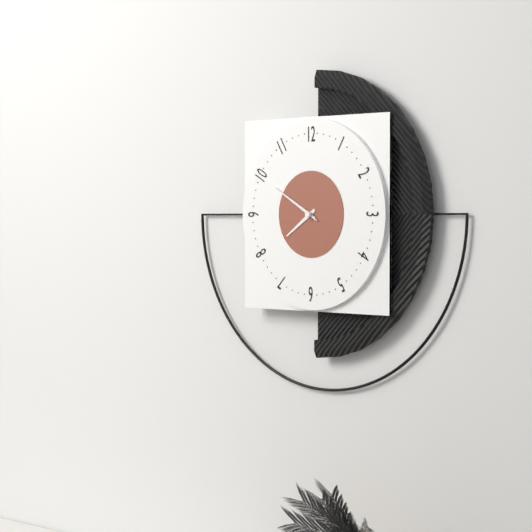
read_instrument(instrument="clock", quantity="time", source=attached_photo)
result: 7:50:50
